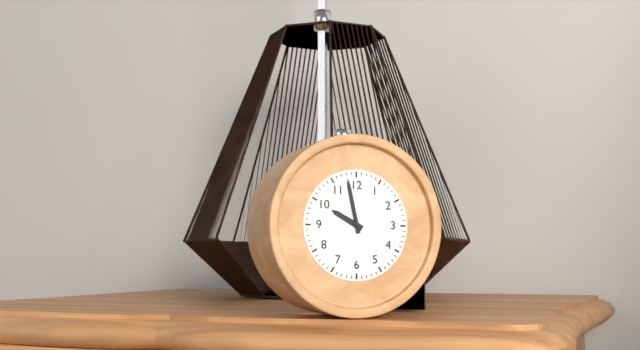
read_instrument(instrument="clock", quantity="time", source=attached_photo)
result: 9:58
